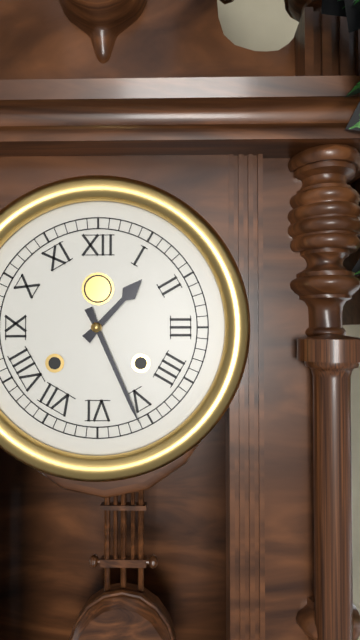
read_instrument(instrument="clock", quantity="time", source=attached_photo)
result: 1:26
